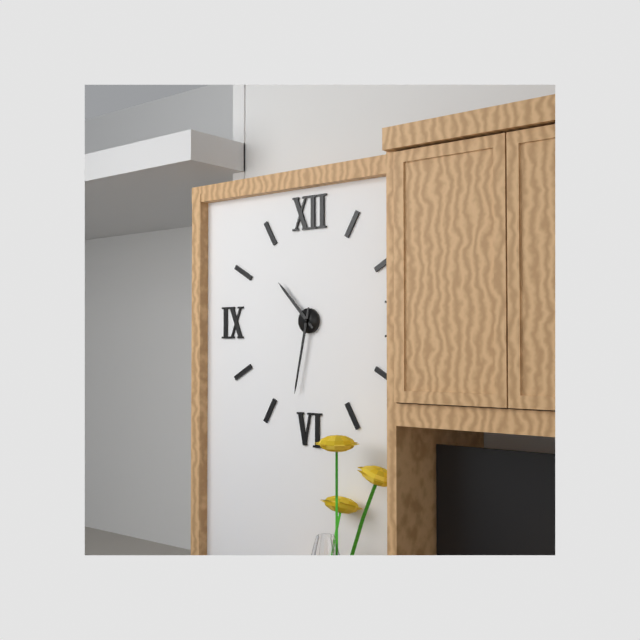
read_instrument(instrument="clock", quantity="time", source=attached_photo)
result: 10:32
